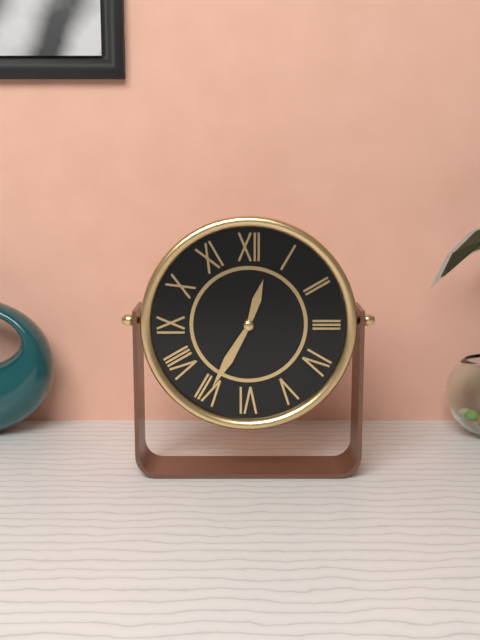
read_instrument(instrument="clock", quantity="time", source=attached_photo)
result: 12:35
